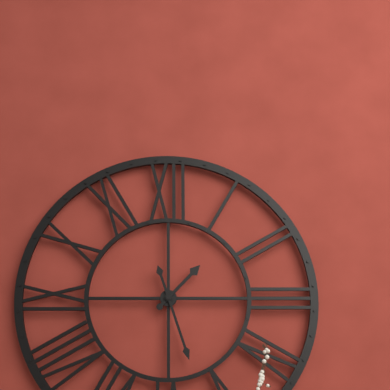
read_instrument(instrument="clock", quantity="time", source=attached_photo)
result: 1:27
